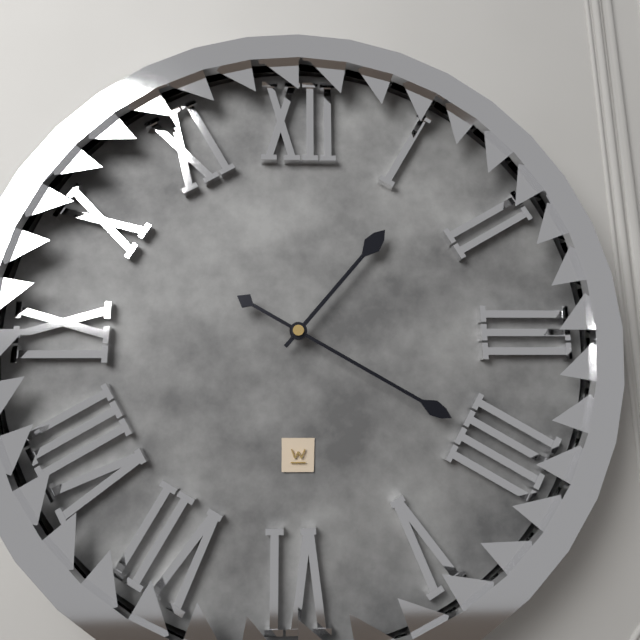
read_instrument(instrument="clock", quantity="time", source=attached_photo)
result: 1:20
